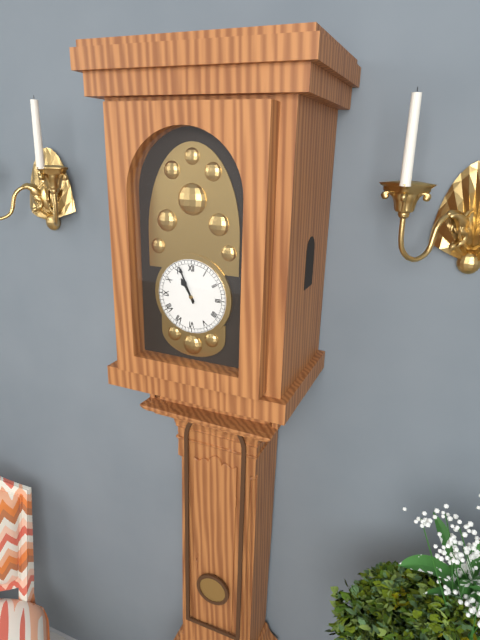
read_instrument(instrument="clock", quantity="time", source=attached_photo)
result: 10:56
